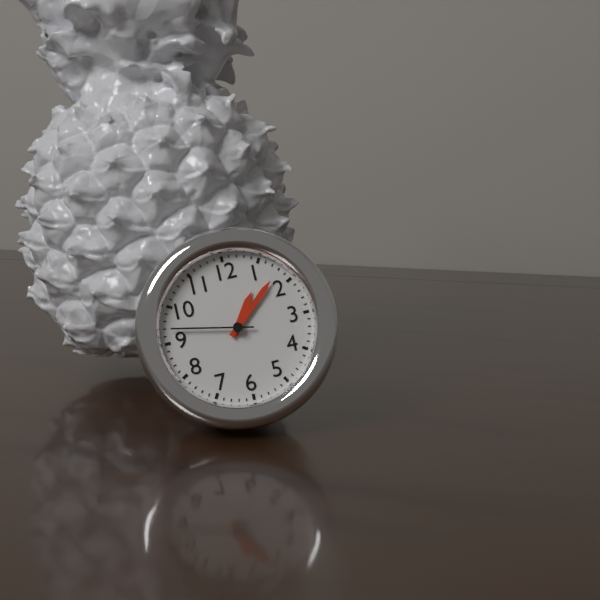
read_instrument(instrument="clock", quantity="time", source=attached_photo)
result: 1:08:47
